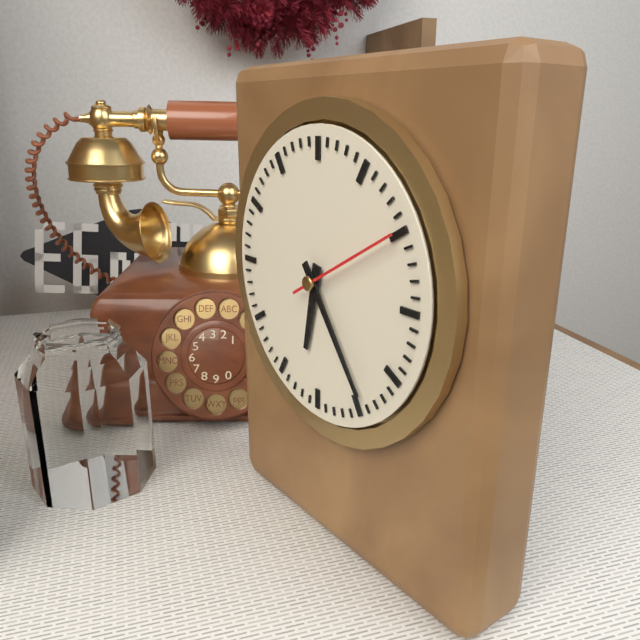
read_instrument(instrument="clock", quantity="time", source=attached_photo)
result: 6:24:10
